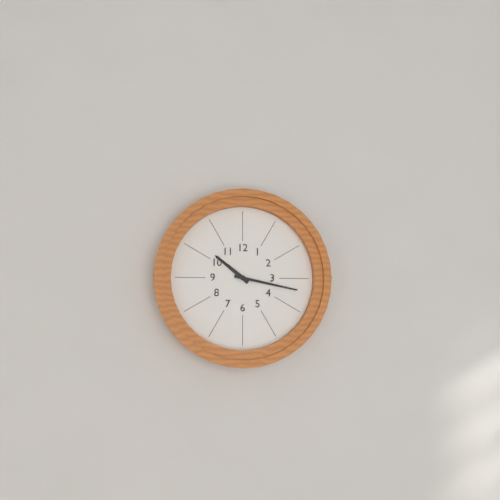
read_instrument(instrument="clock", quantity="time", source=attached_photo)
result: 10:17
